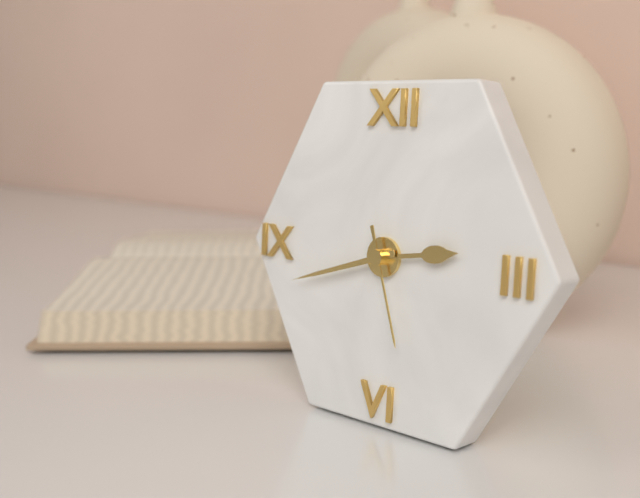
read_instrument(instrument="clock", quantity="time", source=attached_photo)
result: 2:42:27
